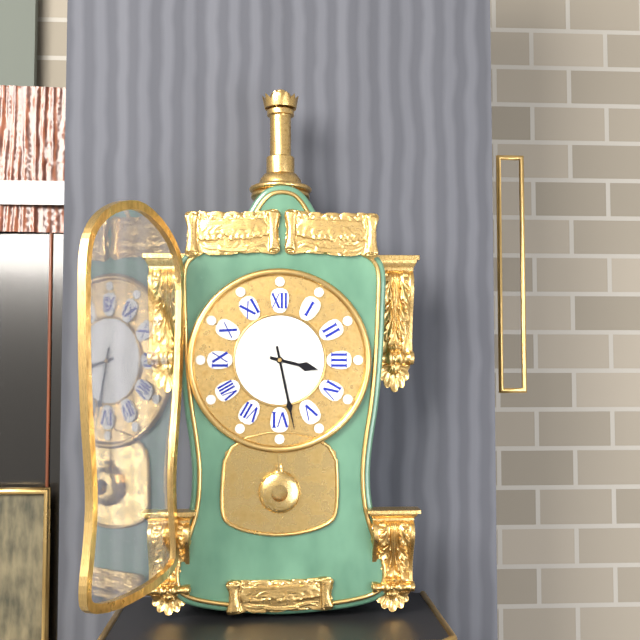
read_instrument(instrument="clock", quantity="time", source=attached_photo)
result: 3:28
